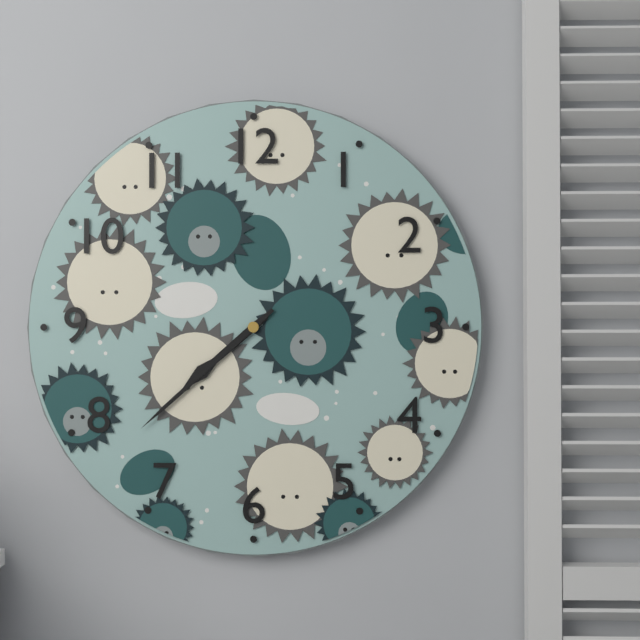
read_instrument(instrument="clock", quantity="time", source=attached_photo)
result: 7:38
